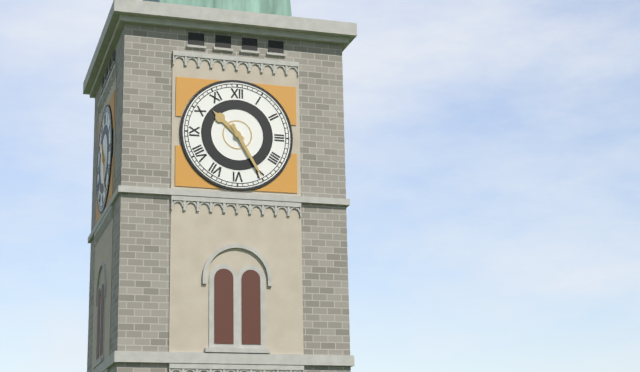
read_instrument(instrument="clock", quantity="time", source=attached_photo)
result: 10:25
